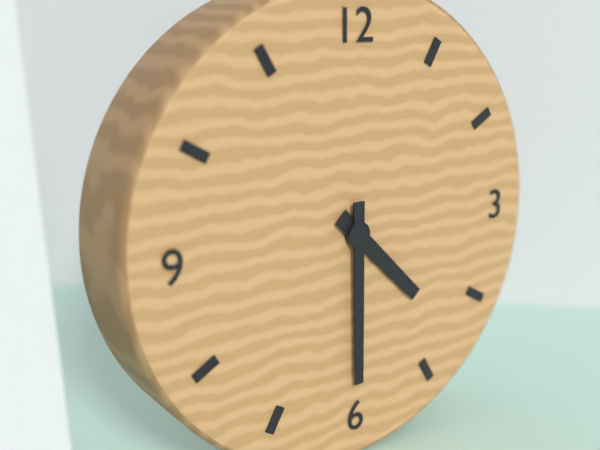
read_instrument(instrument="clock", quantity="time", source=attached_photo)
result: 4:30
